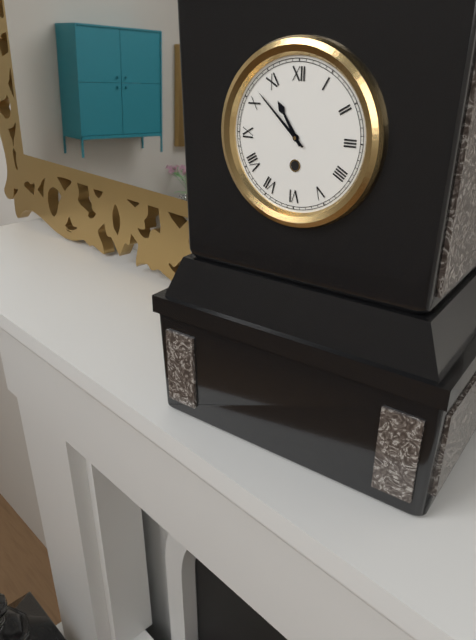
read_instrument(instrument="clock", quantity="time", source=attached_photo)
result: 10:52
